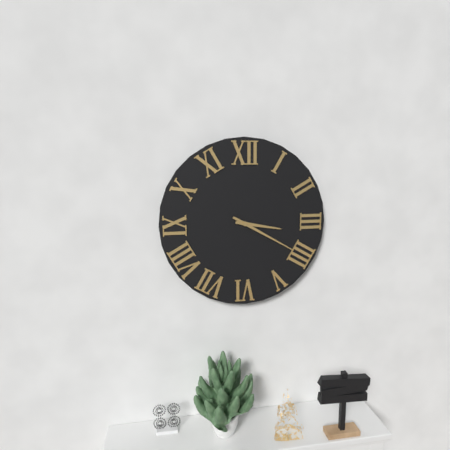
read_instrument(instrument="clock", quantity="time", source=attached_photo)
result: 3:20
